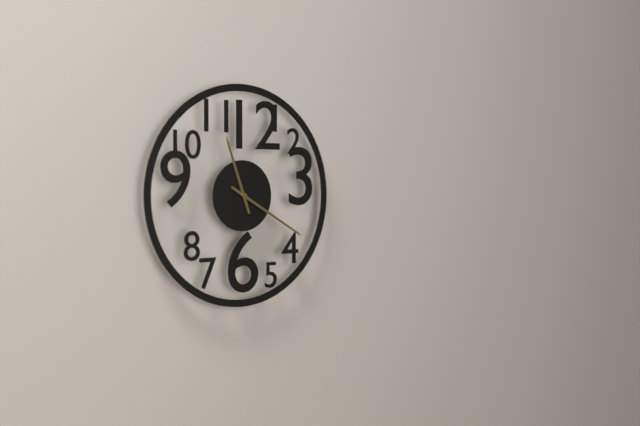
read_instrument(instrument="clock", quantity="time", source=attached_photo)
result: 11:20
